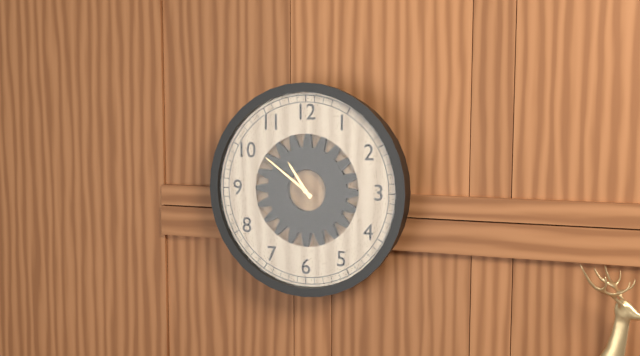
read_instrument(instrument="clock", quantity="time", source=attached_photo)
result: 10:51
